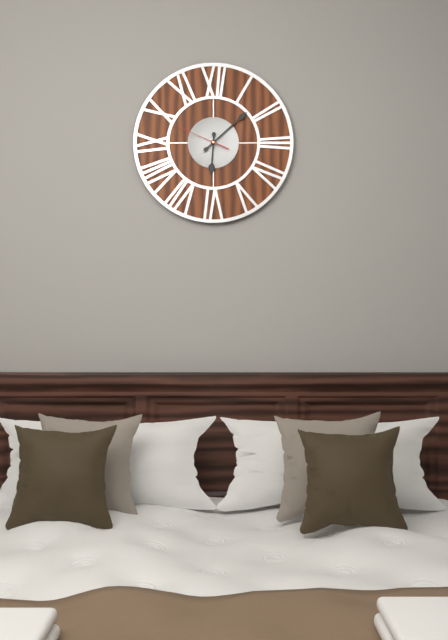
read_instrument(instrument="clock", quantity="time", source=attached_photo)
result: 6:08:49
